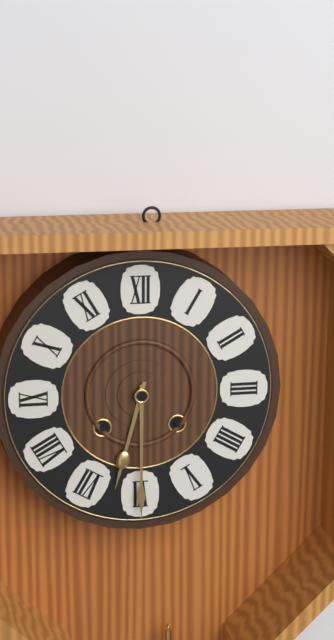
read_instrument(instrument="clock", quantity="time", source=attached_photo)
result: 6:30
